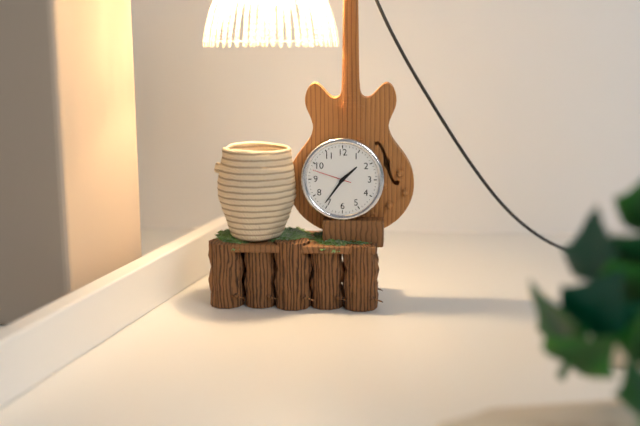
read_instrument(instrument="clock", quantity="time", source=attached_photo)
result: 1:36
